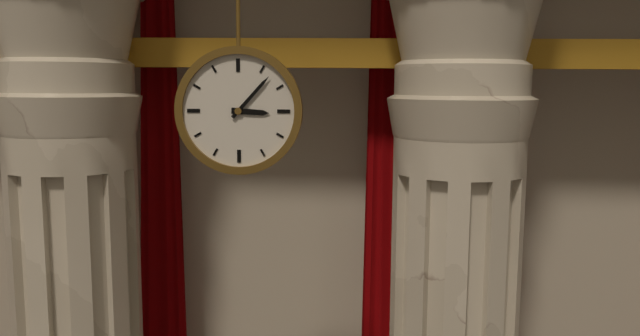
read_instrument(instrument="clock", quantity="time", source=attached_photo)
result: 3:07
